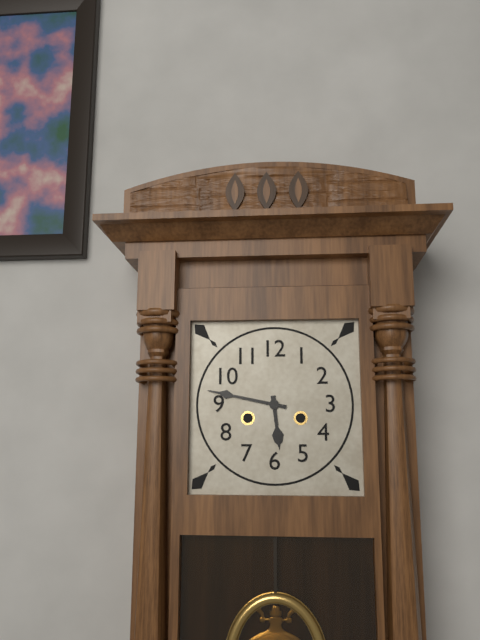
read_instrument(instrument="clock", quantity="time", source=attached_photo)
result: 5:47
